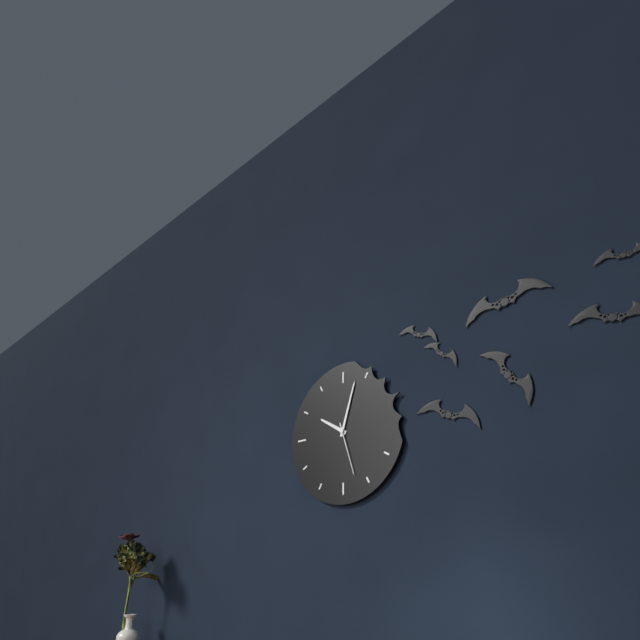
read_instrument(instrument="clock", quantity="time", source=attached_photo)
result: 10:03:27
